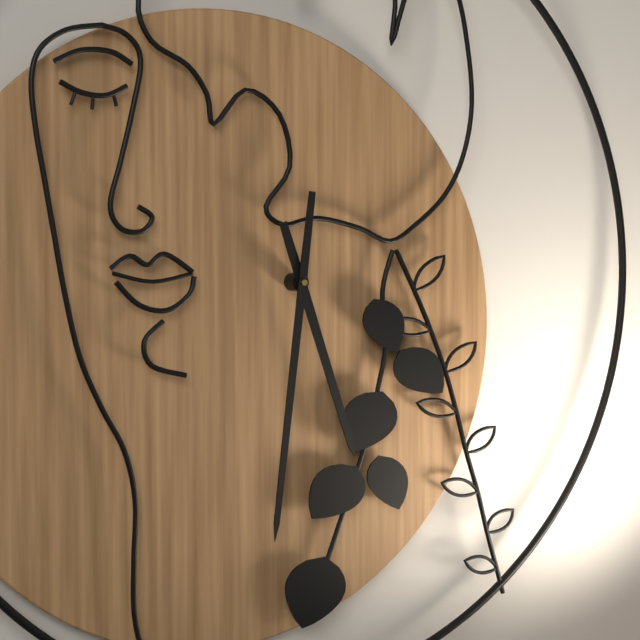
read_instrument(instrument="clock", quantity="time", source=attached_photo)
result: 5:32
